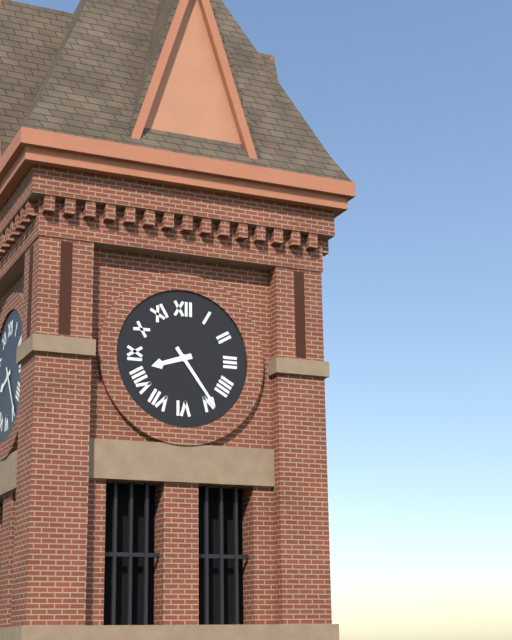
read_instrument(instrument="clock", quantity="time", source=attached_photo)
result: 8:24
